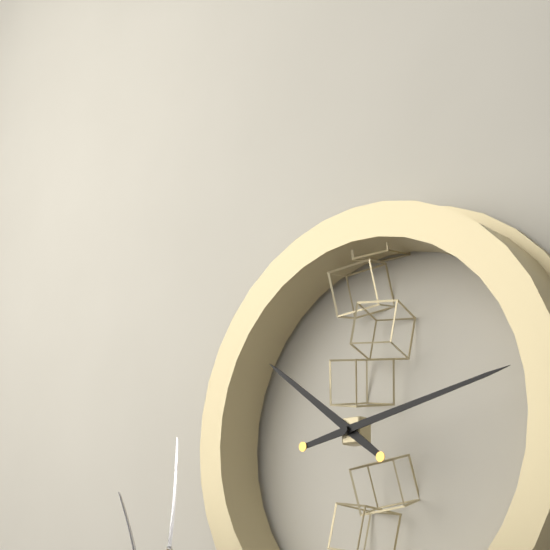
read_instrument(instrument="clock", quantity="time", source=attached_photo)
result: 10:13
